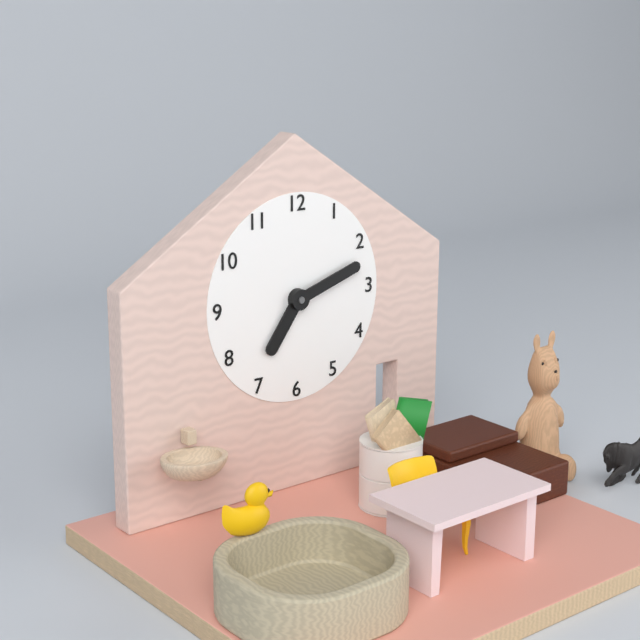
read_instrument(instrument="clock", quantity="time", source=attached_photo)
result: 7:12
